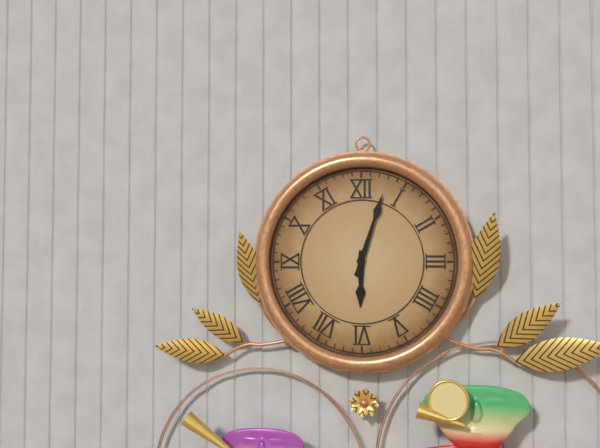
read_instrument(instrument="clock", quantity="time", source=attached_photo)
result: 6:03
